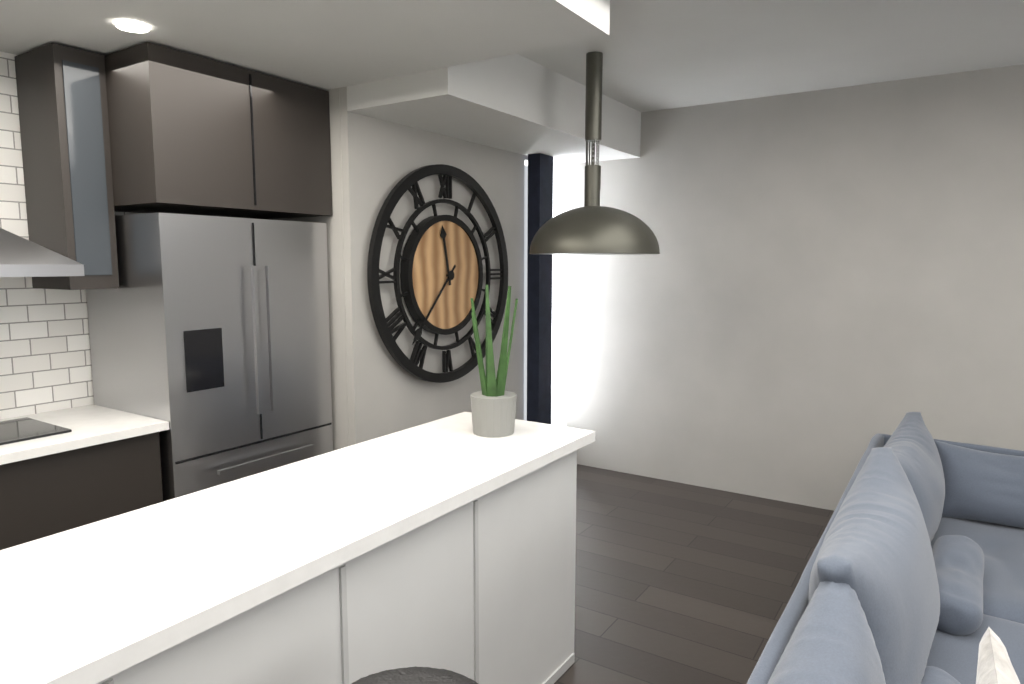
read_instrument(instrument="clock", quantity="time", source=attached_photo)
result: 11:37
